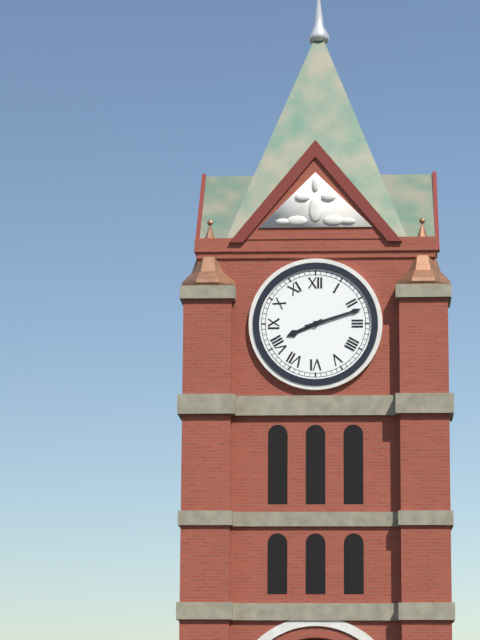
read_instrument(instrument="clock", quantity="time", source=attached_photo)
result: 8:12
